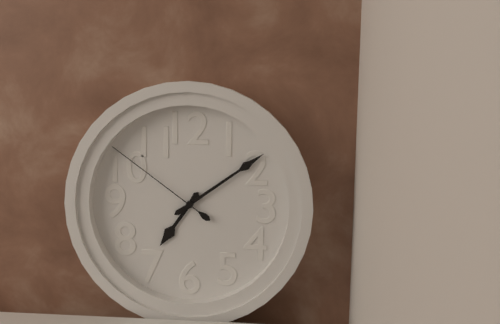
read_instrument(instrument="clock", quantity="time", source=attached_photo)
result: 7:09:51
